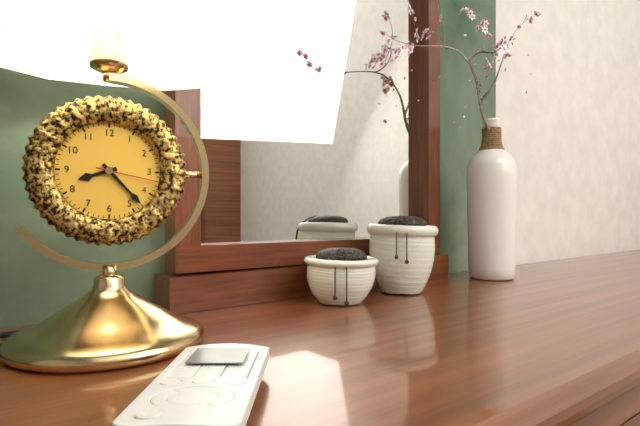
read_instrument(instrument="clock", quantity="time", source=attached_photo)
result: 8:23:17
